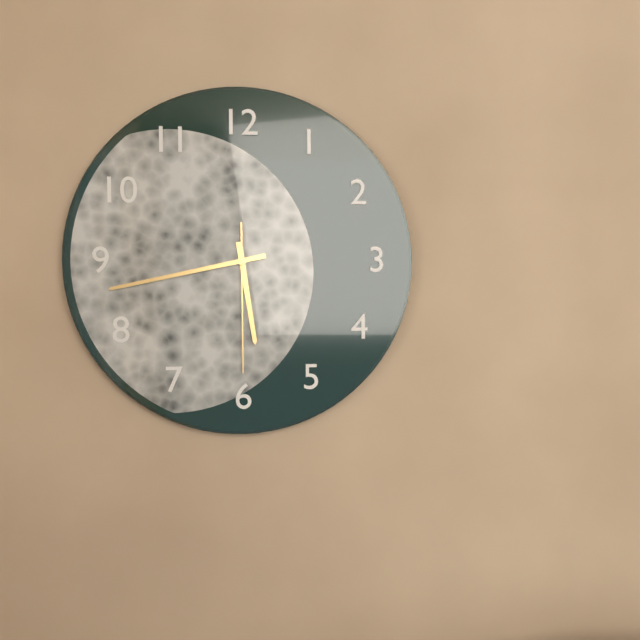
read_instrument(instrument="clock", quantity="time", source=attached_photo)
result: 5:43:30
